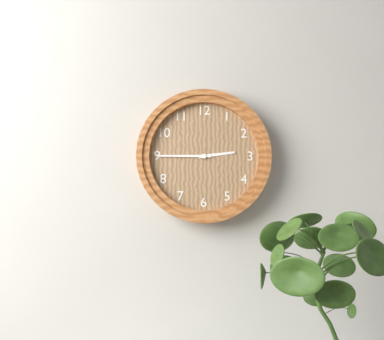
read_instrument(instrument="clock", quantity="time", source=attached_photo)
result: 2:45
